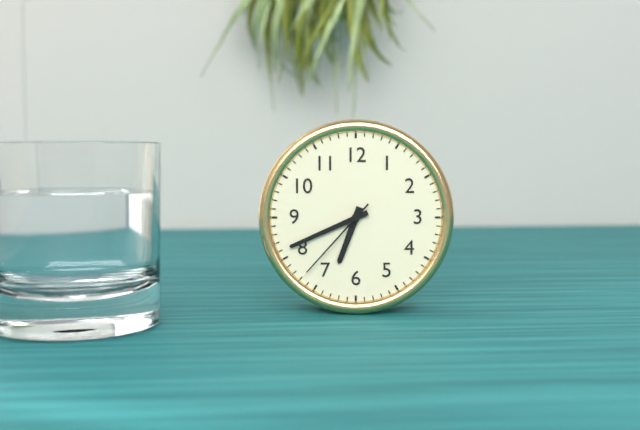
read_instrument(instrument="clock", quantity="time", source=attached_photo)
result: 6:41:37
